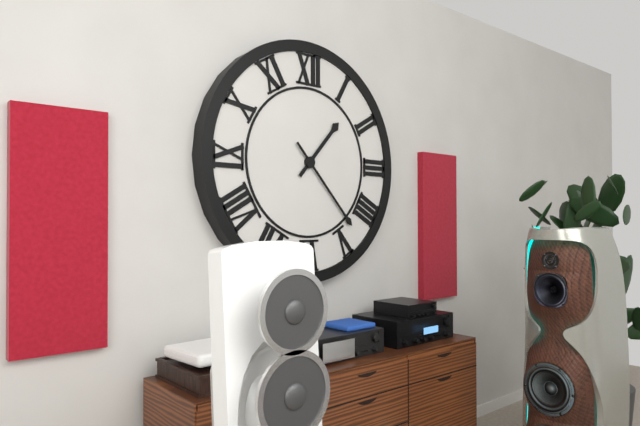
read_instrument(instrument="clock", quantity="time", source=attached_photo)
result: 1:23
